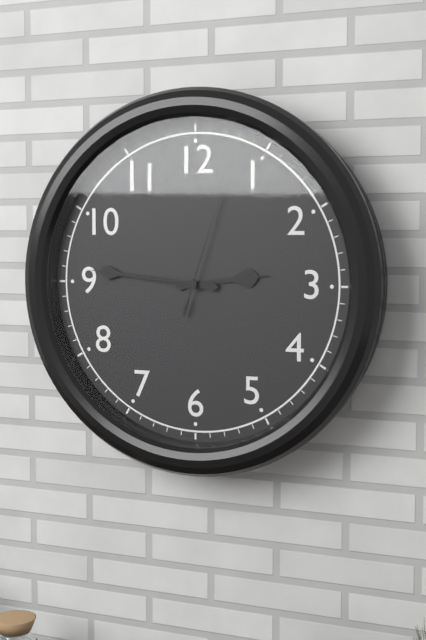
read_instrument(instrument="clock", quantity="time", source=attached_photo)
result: 2:46:03
